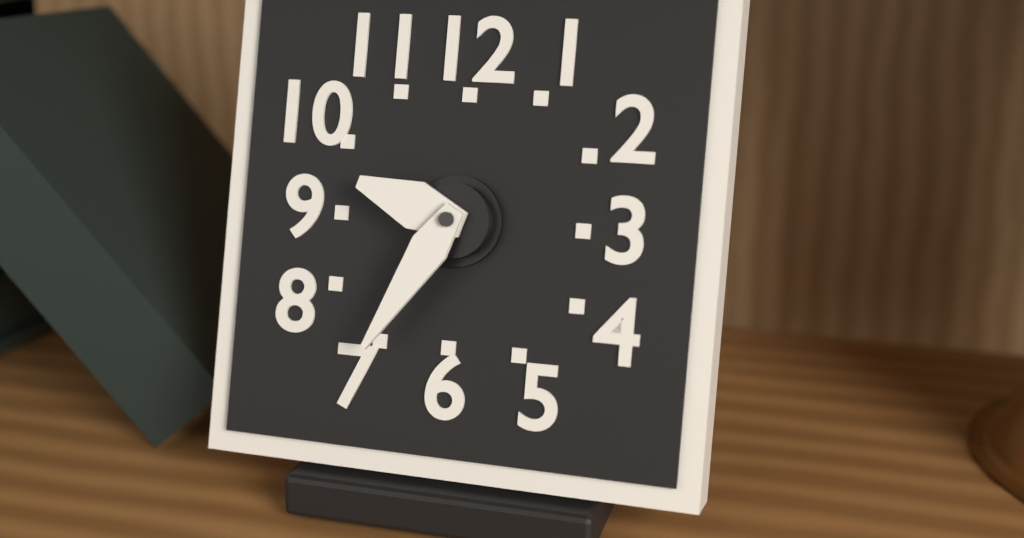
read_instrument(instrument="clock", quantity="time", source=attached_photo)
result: 9:35
